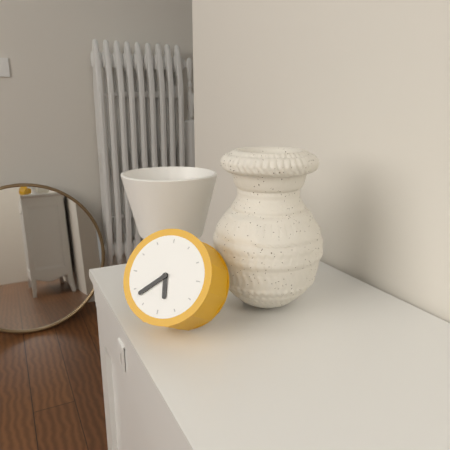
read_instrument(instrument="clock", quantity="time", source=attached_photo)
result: 5:38
